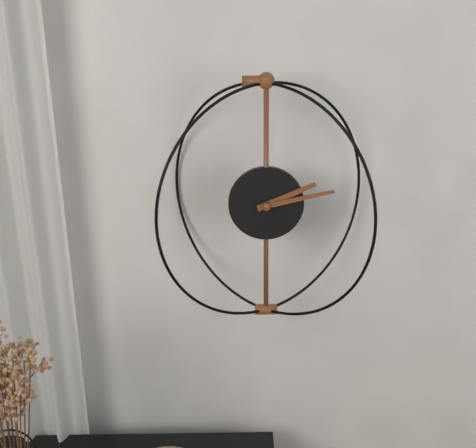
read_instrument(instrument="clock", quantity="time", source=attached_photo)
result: 2:13
